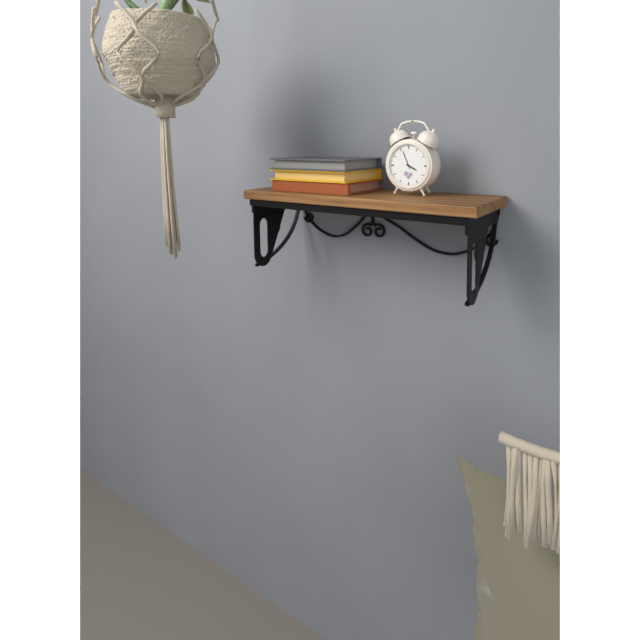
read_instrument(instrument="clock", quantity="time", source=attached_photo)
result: 3:56
